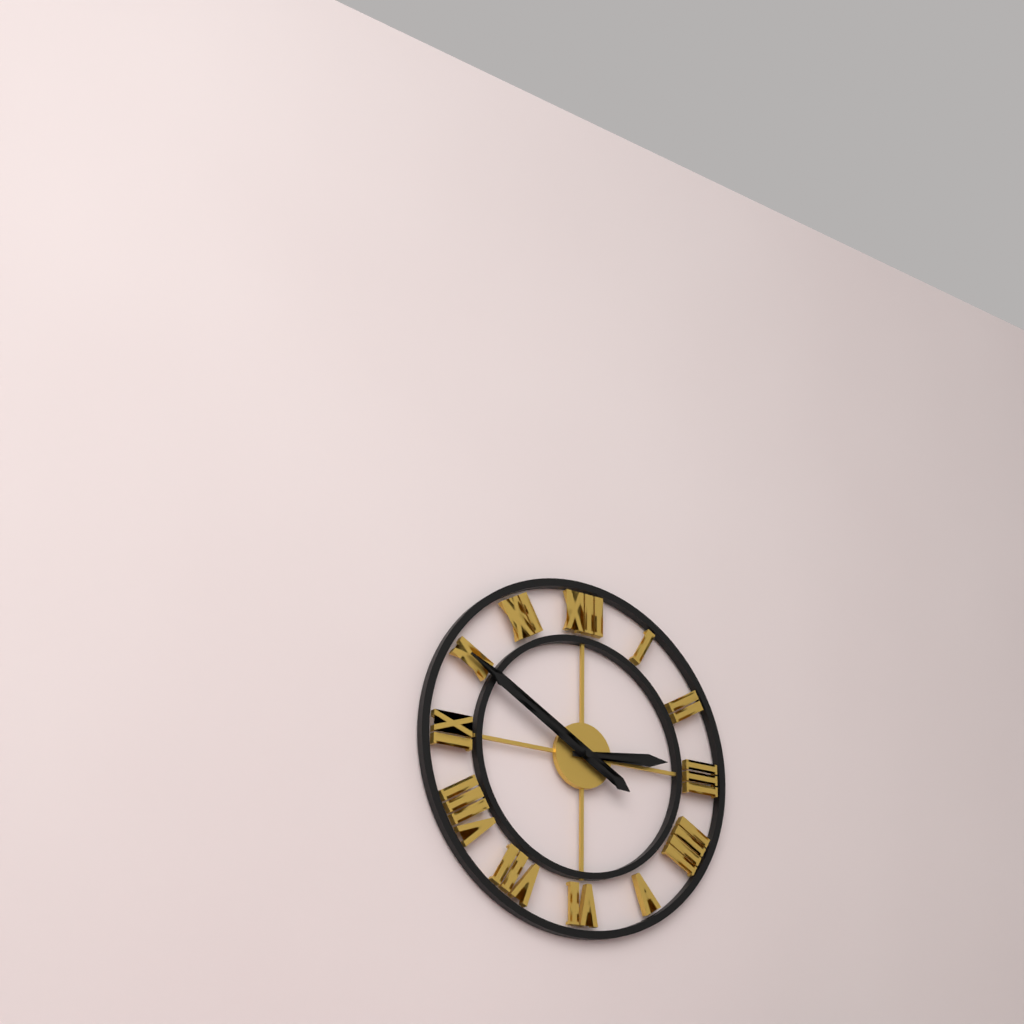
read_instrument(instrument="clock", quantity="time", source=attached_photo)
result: 2:50
